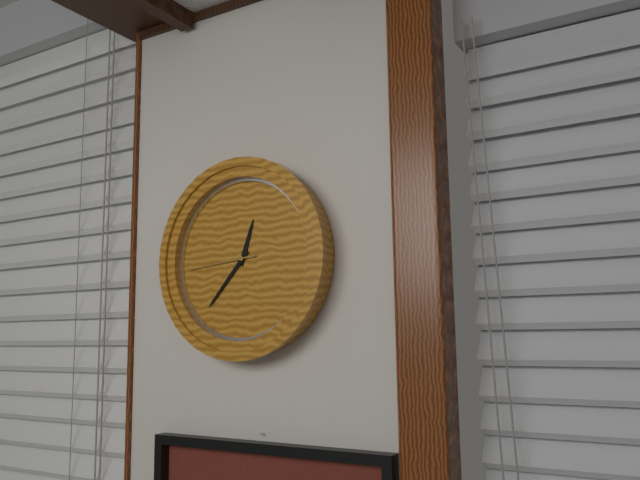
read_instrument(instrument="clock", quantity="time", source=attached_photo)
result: 12:37:44
